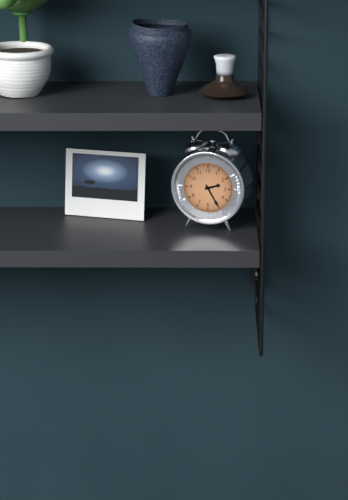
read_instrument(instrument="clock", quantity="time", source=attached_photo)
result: 2:25
